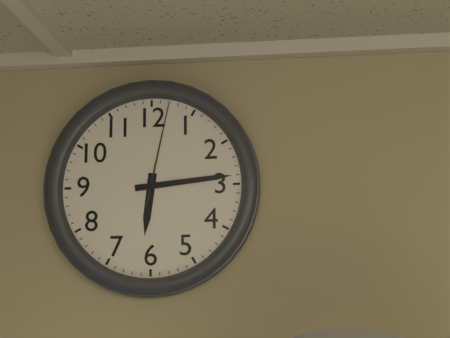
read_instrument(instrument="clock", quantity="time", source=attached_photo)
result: 6:14:02
